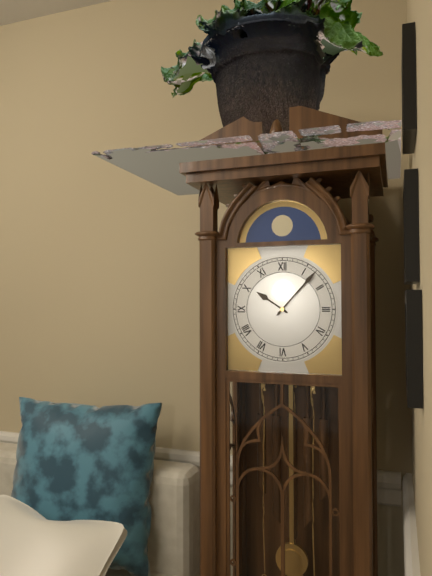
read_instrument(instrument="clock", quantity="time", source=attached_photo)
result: 10:07
